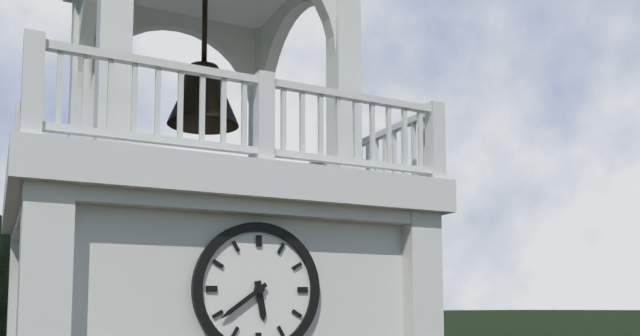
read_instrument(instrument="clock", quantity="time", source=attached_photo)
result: 5:39
